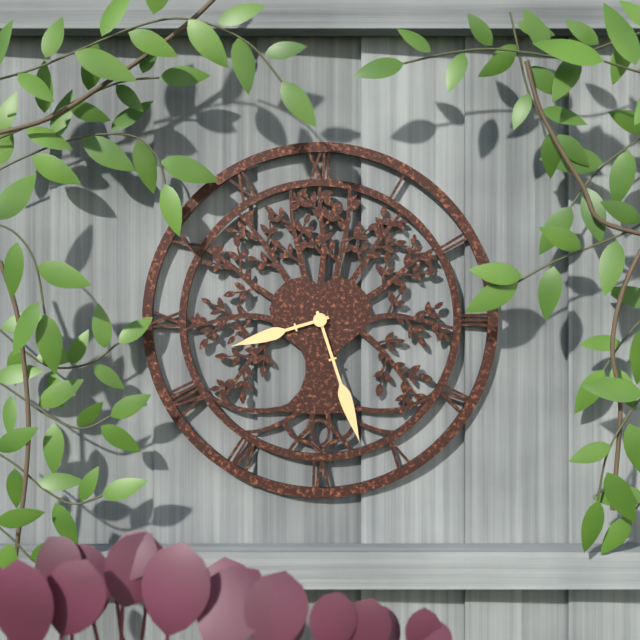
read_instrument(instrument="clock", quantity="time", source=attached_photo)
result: 8:27
